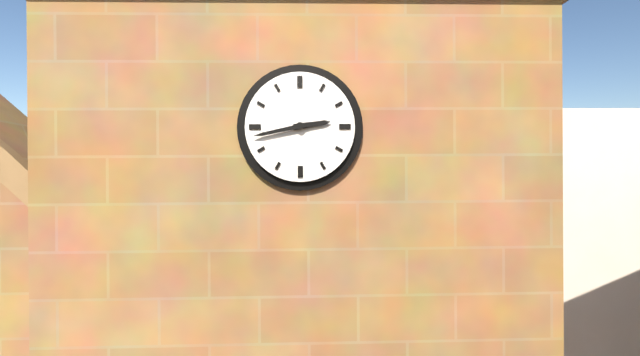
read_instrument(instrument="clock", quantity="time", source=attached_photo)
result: 2:43
